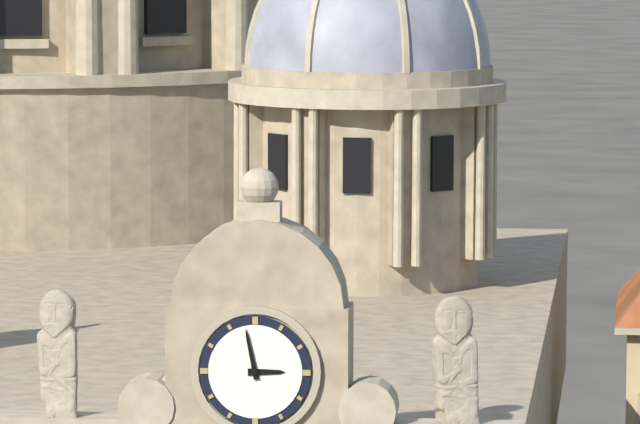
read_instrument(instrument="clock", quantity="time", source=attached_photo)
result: 2:58
